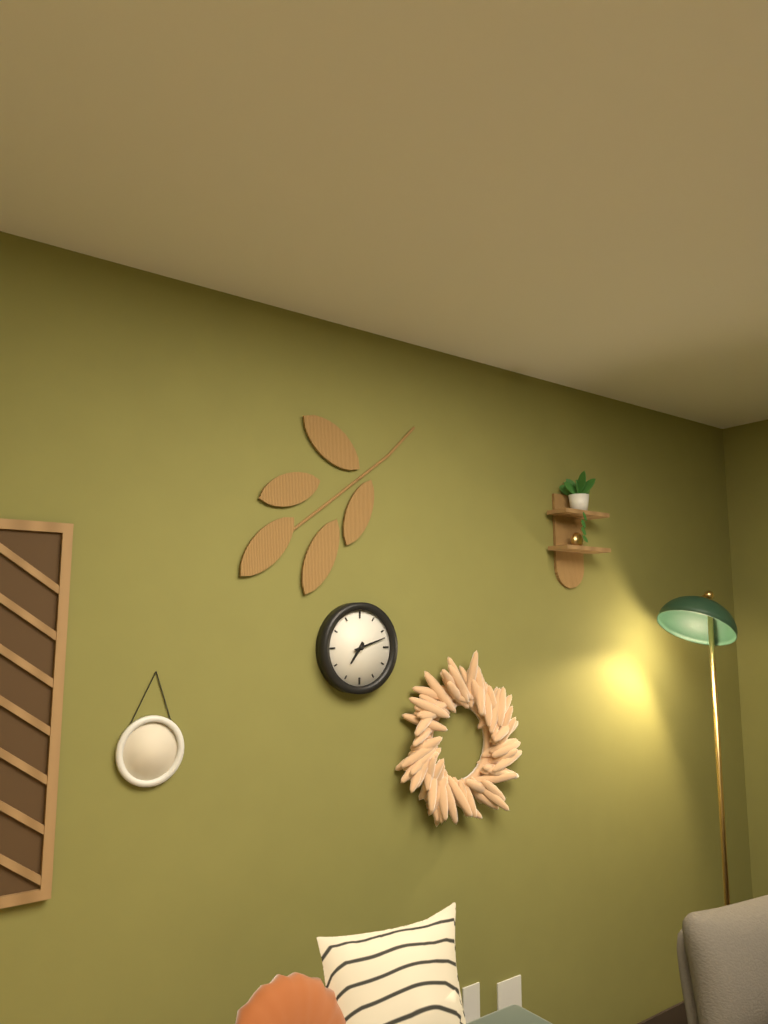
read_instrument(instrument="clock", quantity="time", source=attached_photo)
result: 7:12
